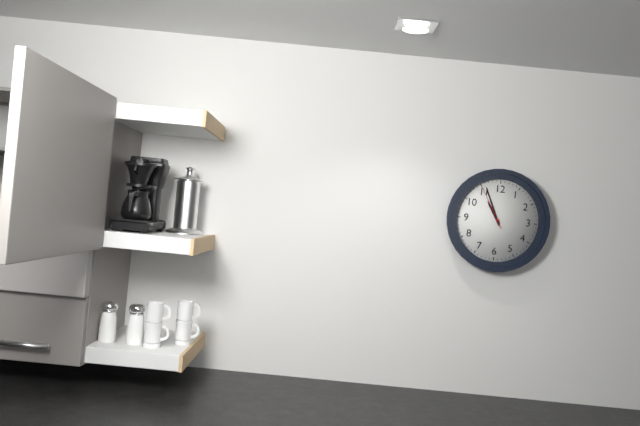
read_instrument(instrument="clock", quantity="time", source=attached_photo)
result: 10:56
